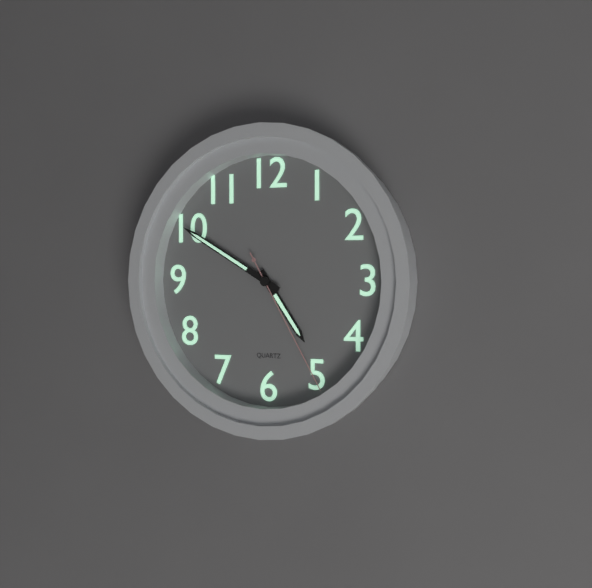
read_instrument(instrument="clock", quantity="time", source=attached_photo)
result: 4:50:25
